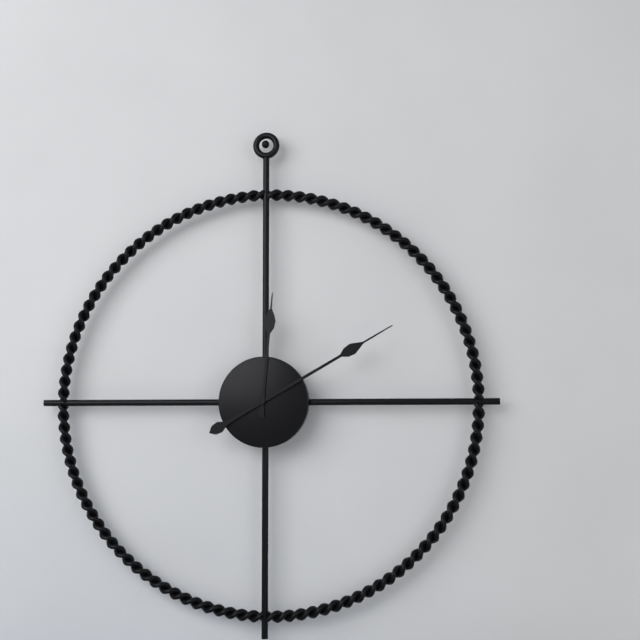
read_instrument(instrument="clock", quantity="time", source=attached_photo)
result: 12:10
